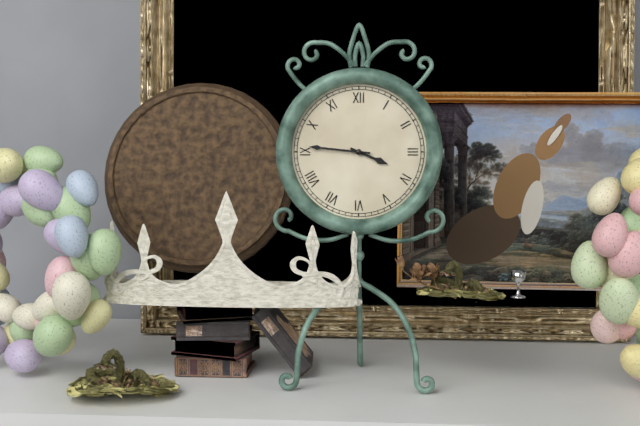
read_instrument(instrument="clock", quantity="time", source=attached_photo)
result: 3:46
